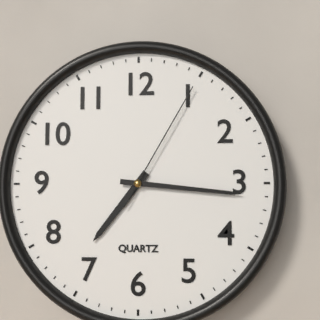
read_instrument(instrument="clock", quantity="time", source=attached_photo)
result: 7:16:05
